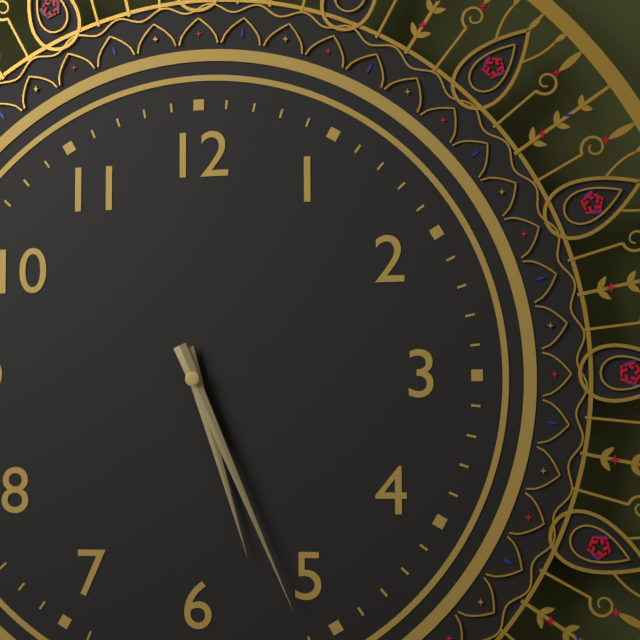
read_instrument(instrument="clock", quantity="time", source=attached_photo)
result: 5:26
